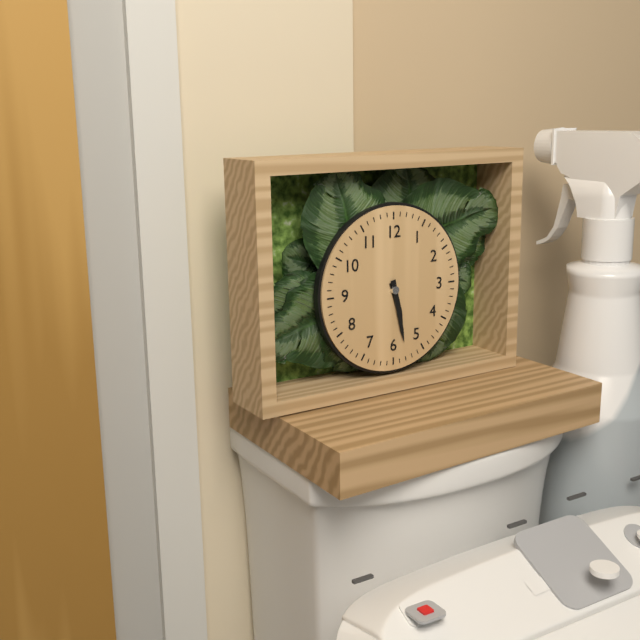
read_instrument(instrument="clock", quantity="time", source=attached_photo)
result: 5:28
